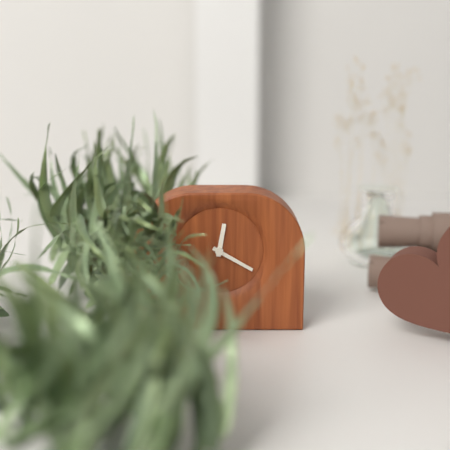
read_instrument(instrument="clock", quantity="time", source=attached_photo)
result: 12:20
